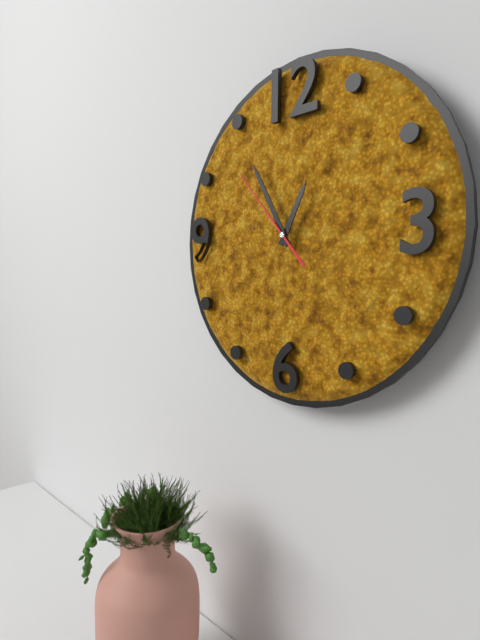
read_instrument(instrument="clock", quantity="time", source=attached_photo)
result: 12:55:53
